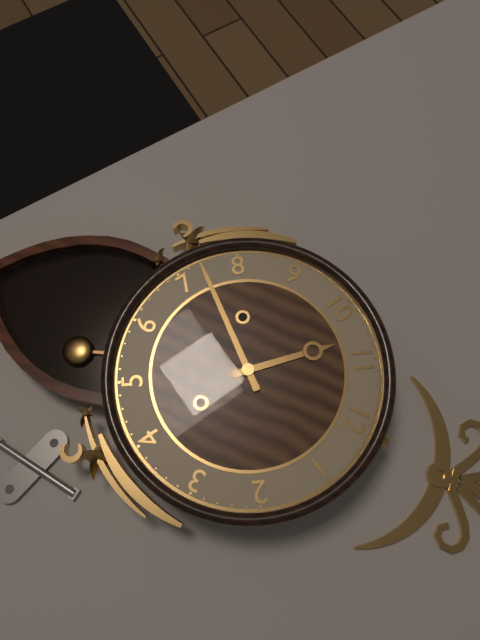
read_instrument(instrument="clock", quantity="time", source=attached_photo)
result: 10:37
